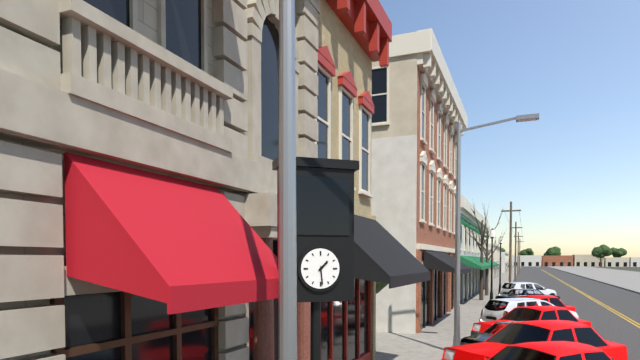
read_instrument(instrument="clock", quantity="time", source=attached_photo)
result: 1:29
